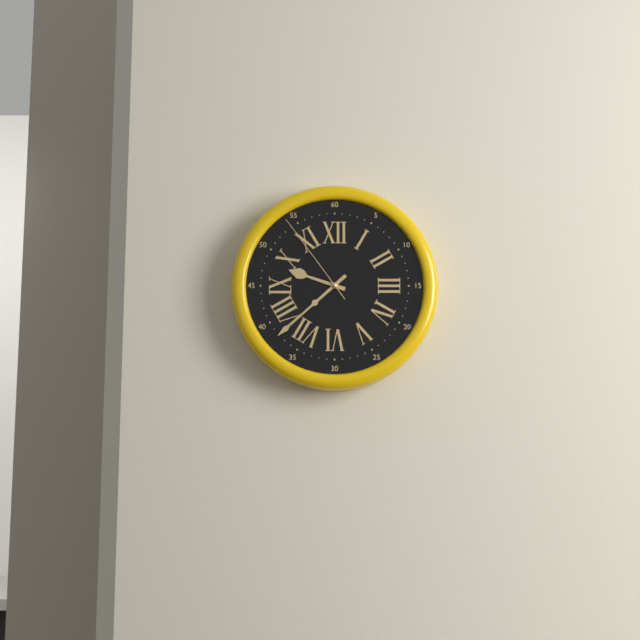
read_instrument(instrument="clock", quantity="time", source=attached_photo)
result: 9:38:54
